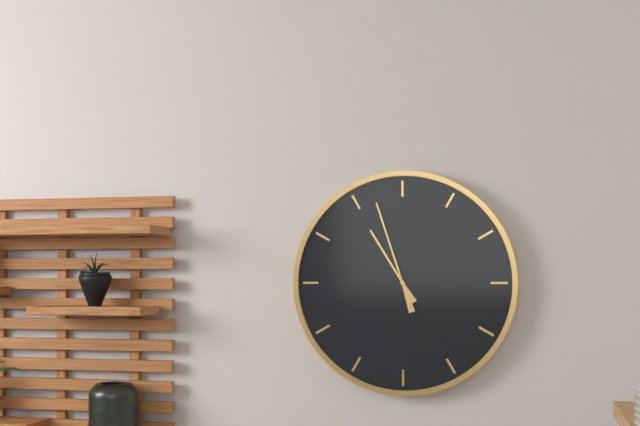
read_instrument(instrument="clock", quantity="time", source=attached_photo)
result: 10:57
